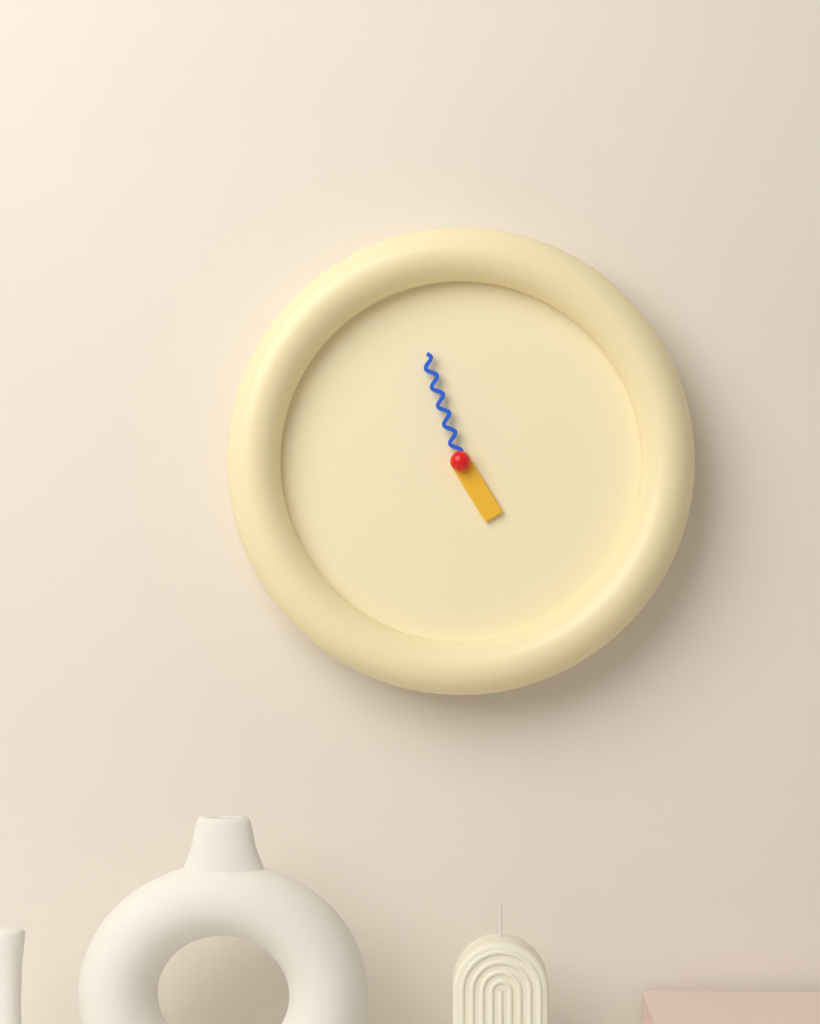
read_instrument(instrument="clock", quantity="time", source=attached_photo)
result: 4:57
